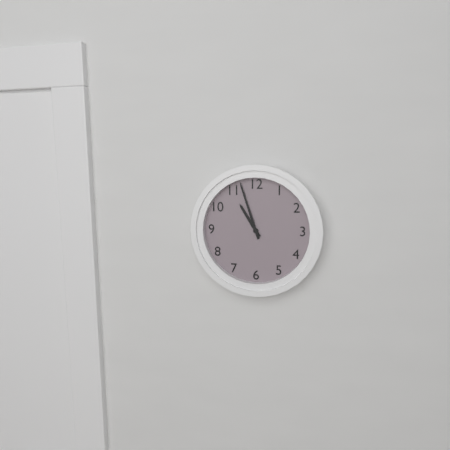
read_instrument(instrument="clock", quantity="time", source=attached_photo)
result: 10:57
